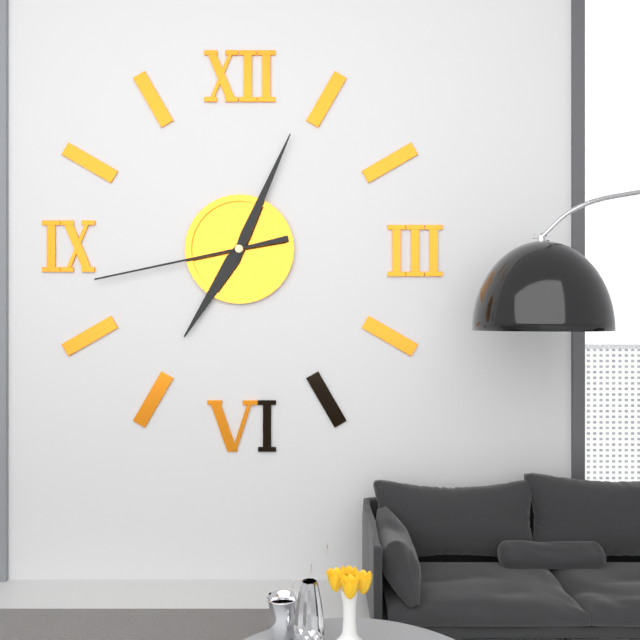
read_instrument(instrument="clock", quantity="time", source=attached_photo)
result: 7:04:43
